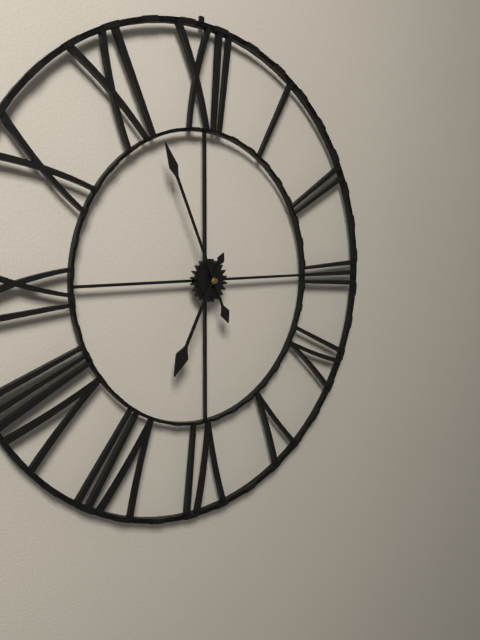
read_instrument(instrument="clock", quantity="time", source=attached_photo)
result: 6:56
